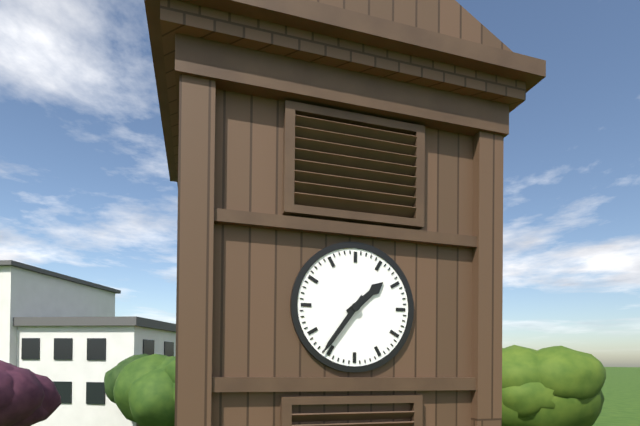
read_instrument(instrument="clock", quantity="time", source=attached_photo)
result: 1:36
